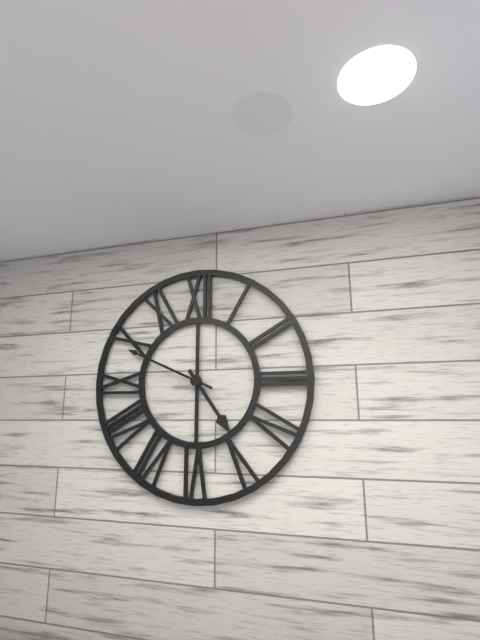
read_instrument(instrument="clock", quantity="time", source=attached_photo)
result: 4:49
